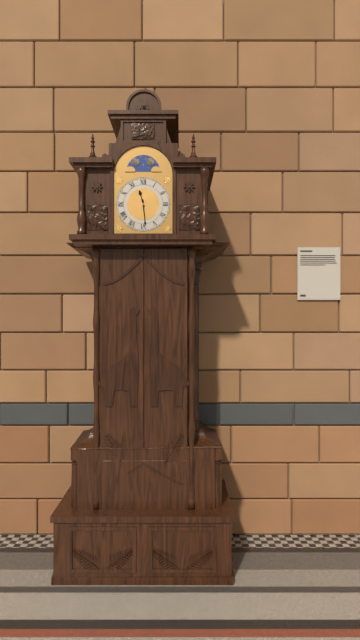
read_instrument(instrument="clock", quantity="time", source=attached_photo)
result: 11:29
